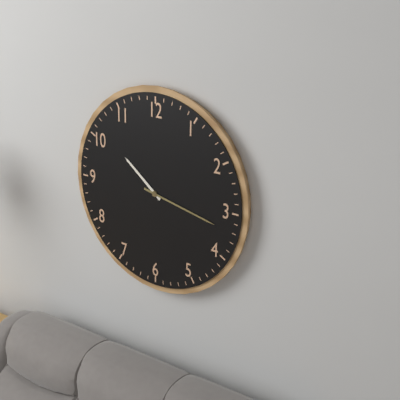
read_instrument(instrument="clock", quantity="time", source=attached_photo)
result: 10:17
